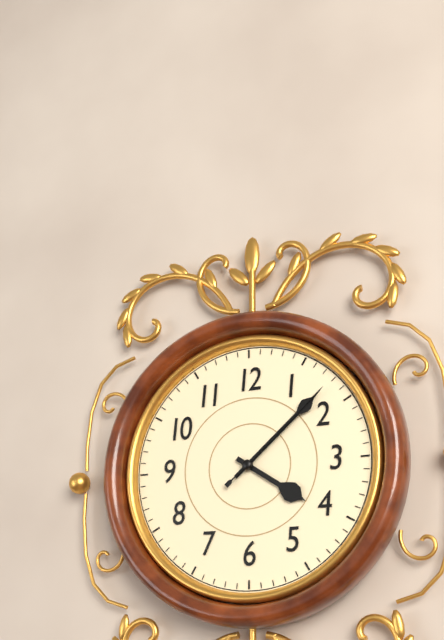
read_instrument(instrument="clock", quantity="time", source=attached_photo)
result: 4:08:08
